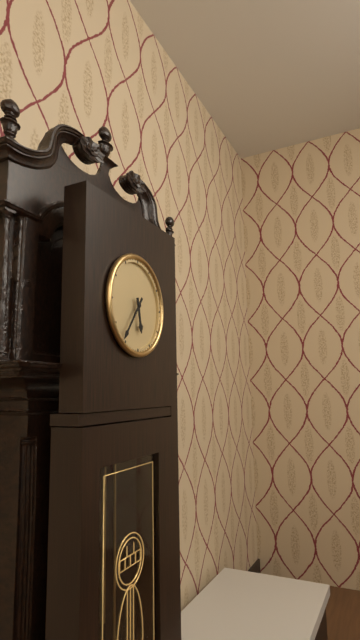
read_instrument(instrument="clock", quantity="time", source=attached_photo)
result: 5:36
